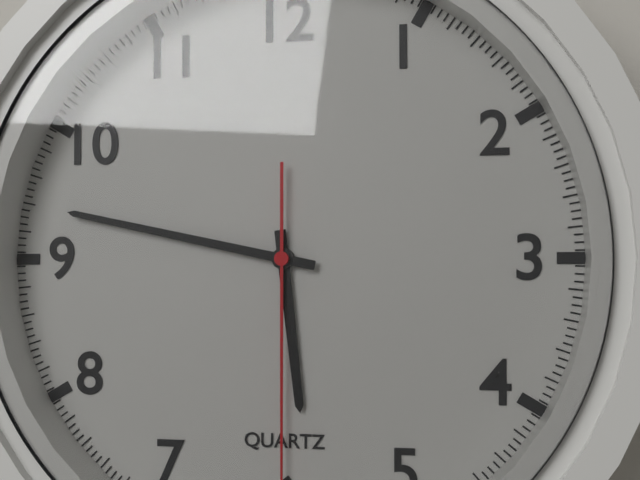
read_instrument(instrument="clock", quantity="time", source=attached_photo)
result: 5:47
